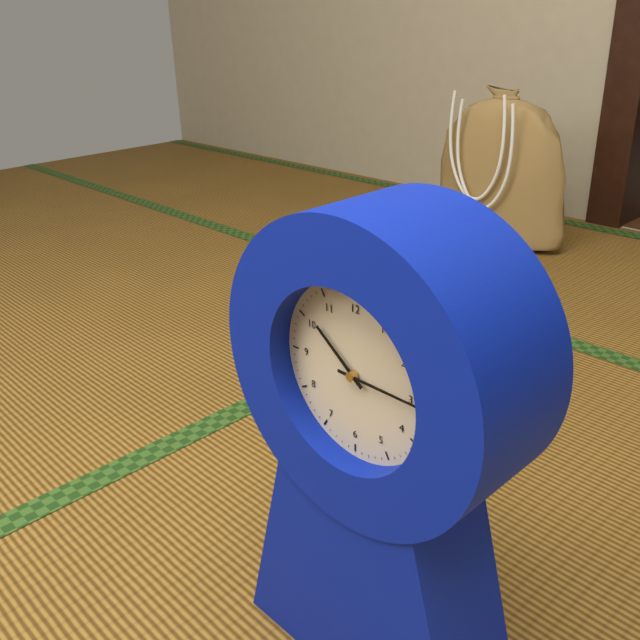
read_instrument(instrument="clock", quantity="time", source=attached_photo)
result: 10:15
